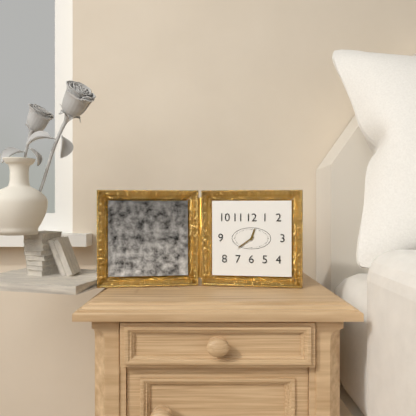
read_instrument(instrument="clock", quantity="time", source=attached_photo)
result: 12:39
